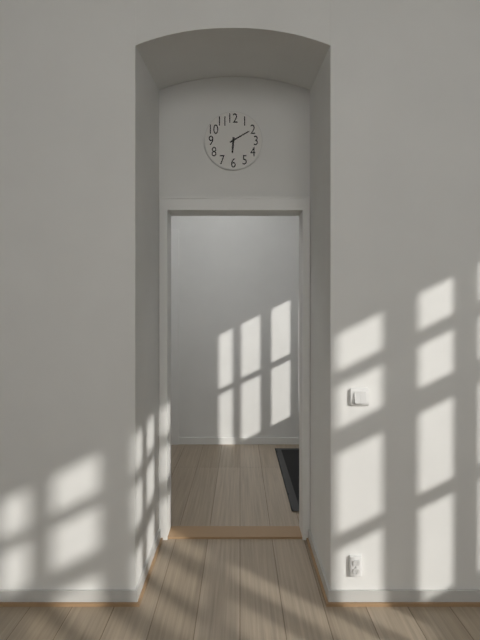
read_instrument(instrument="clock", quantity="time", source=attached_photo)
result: 6:10
